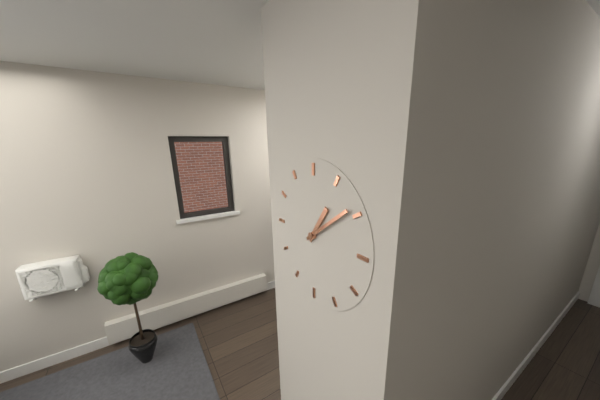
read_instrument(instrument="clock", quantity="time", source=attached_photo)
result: 1:09
